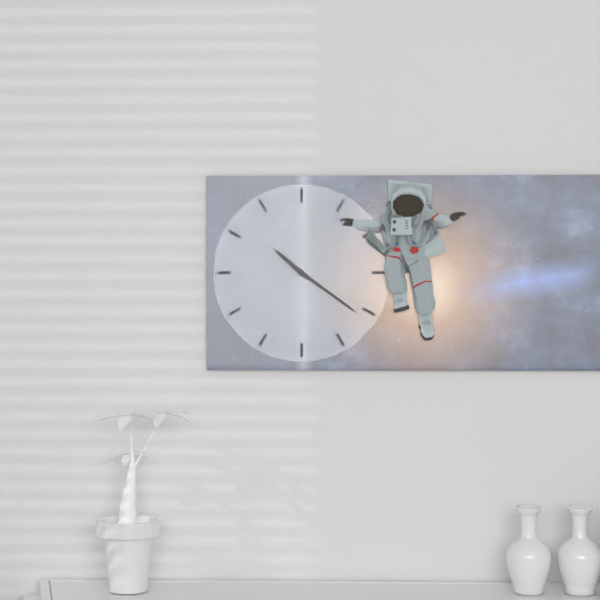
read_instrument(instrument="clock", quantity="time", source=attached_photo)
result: 10:21
